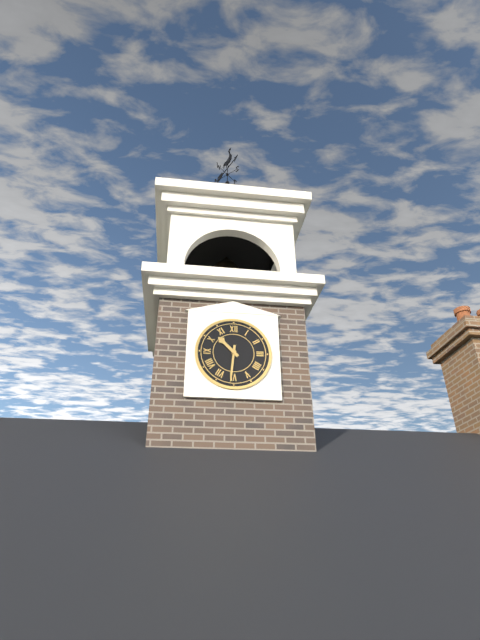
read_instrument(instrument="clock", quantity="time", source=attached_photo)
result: 10:31
